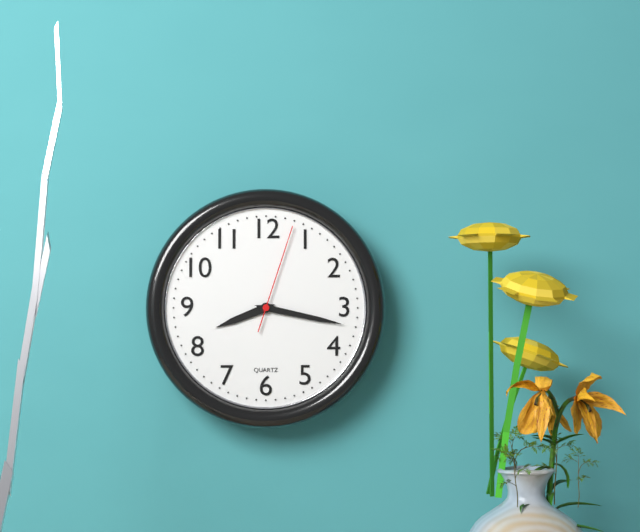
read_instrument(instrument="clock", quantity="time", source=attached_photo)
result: 8:17:03
